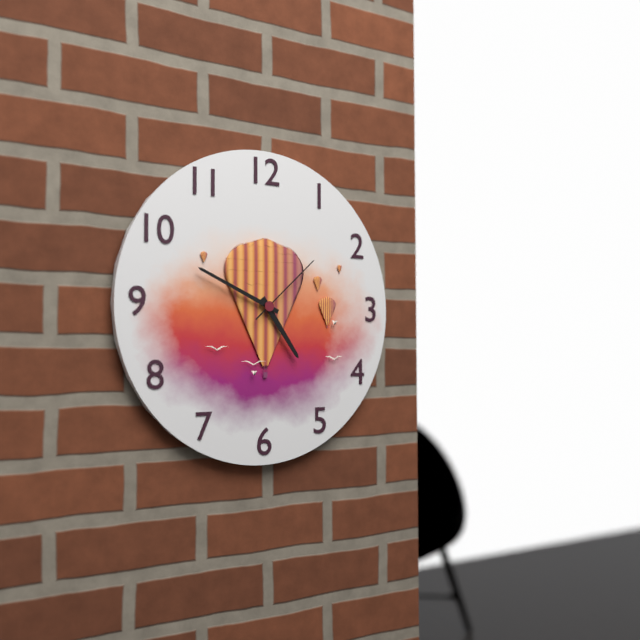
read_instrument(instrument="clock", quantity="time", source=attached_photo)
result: 4:49:08
